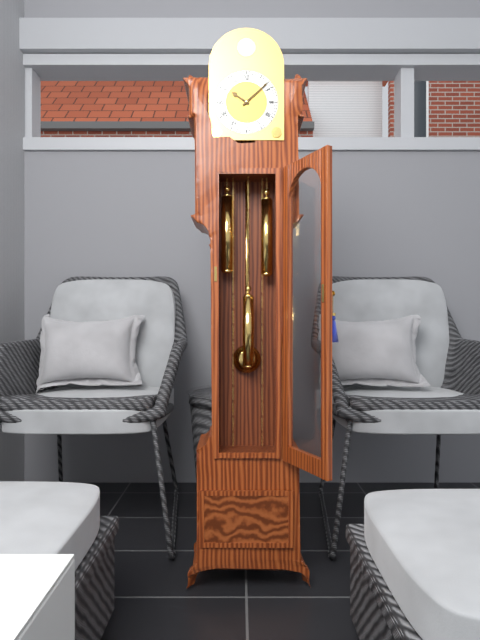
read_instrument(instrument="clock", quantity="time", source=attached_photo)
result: 10:08
